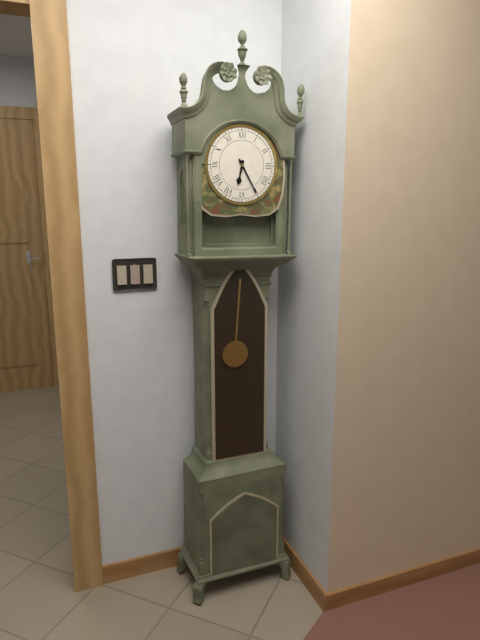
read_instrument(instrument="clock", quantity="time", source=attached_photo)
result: 6:25
